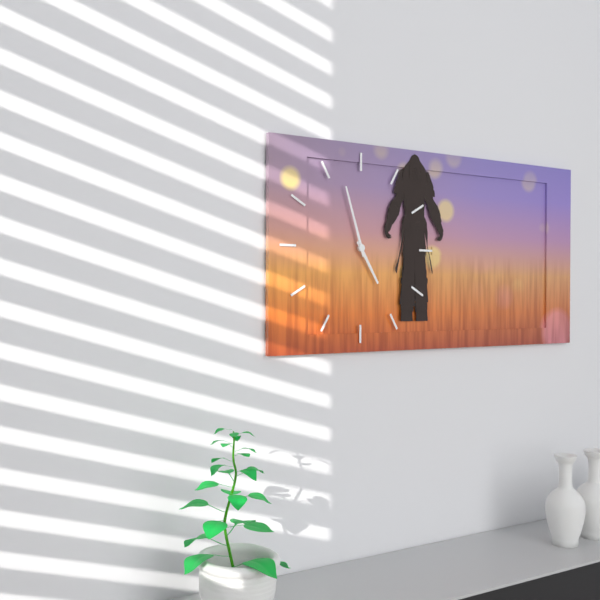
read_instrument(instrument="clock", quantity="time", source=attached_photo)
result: 4:57
